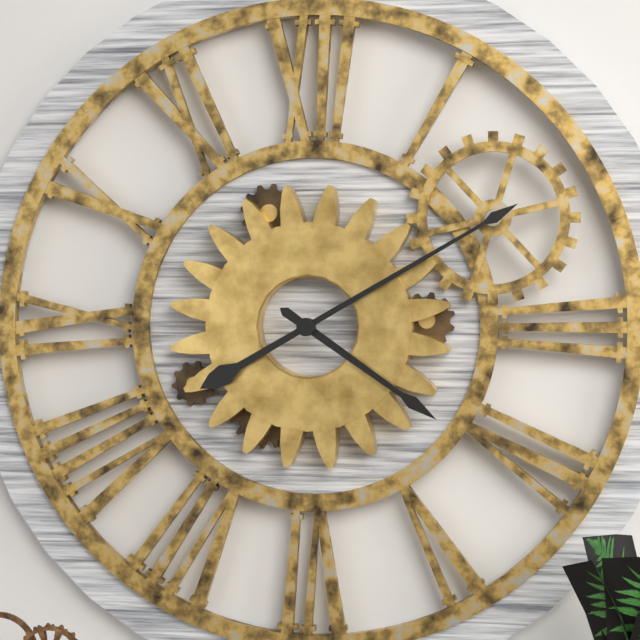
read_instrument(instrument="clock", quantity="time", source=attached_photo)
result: 4:10
